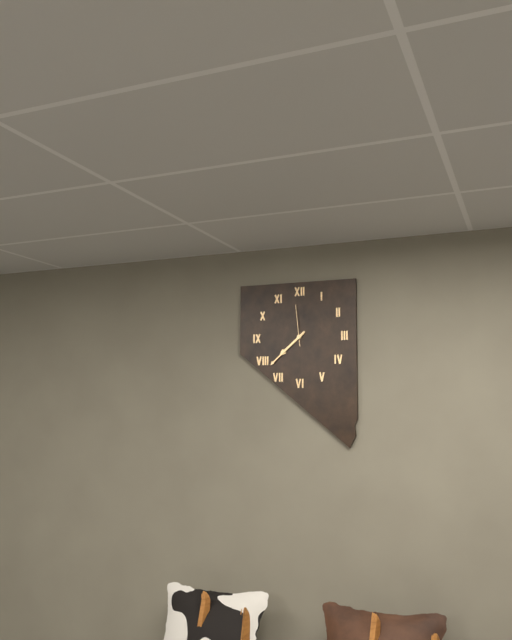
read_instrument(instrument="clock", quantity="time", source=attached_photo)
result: 7:38
